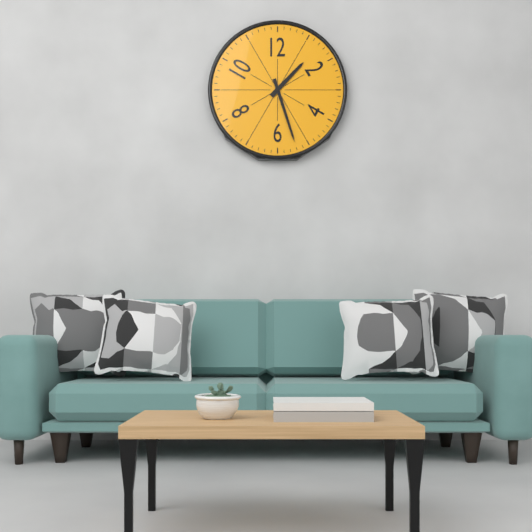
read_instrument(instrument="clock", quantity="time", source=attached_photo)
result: 1:27
